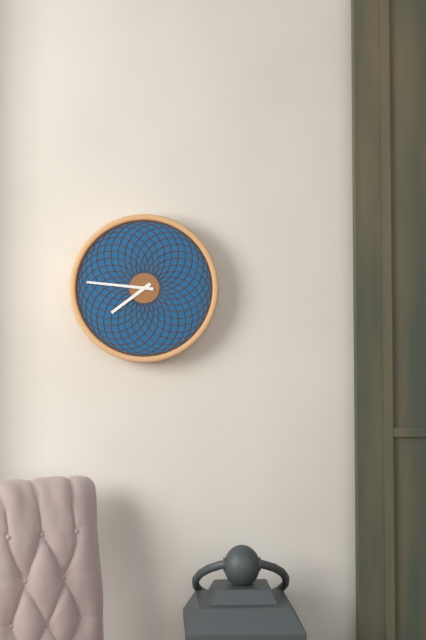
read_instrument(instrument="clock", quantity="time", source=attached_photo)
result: 7:46
